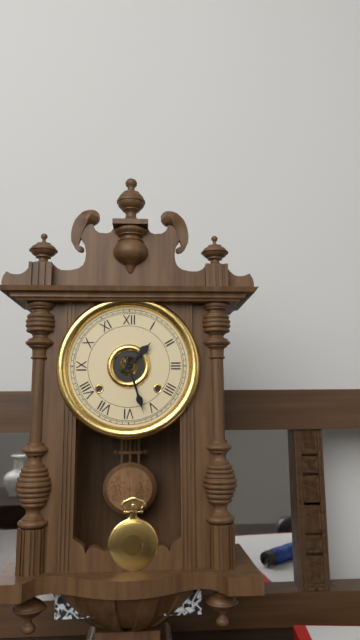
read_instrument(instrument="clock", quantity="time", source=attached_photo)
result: 1:27
